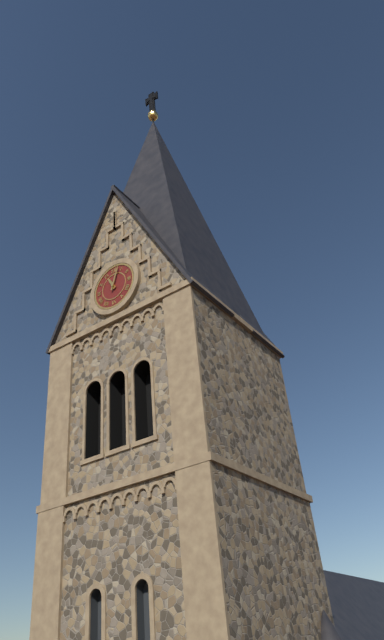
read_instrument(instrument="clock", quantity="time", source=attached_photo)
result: 11:03
